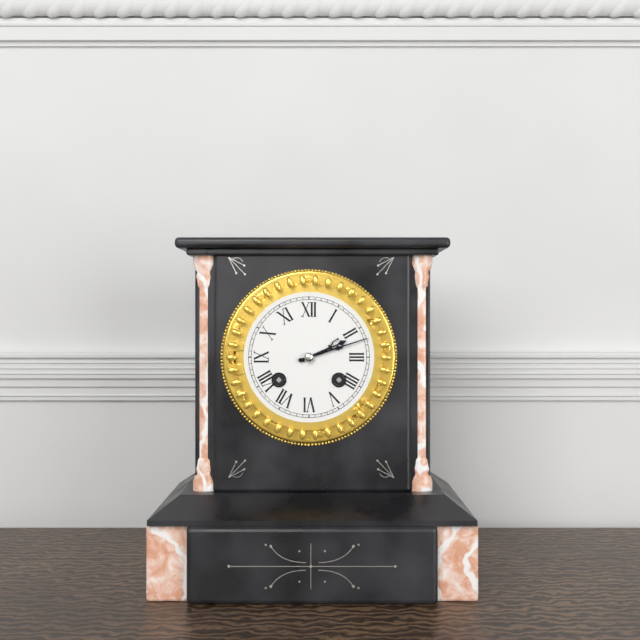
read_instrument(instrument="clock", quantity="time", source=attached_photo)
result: 2:12
